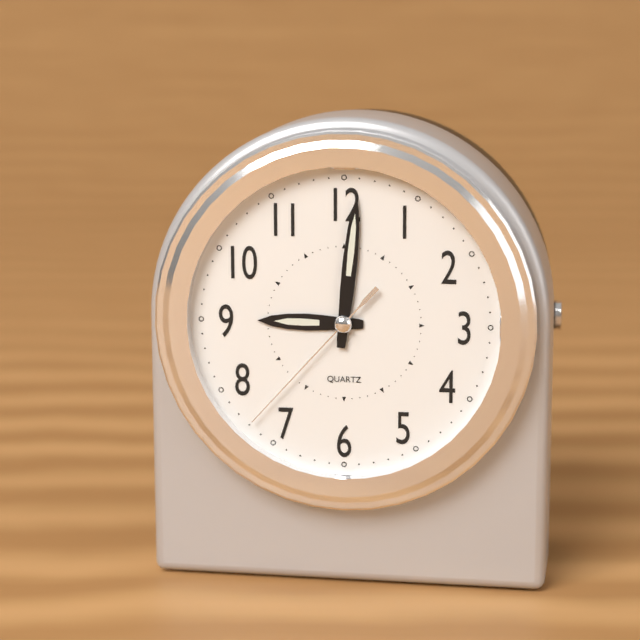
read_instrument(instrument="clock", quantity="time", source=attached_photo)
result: 9:01:37
